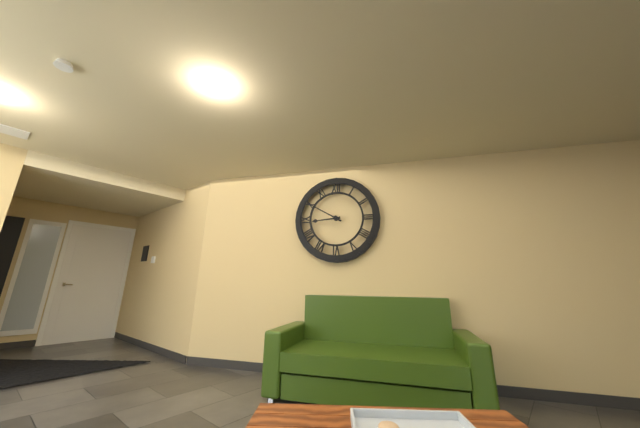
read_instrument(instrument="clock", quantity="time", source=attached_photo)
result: 8:50
